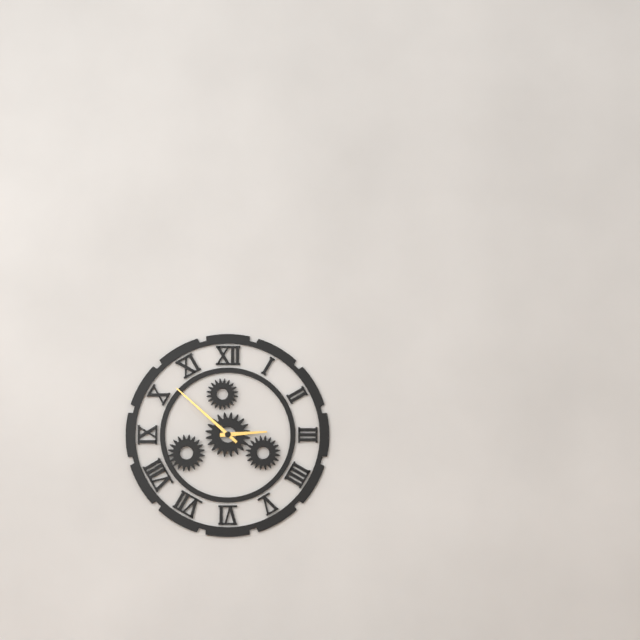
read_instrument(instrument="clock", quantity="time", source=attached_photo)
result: 2:52
